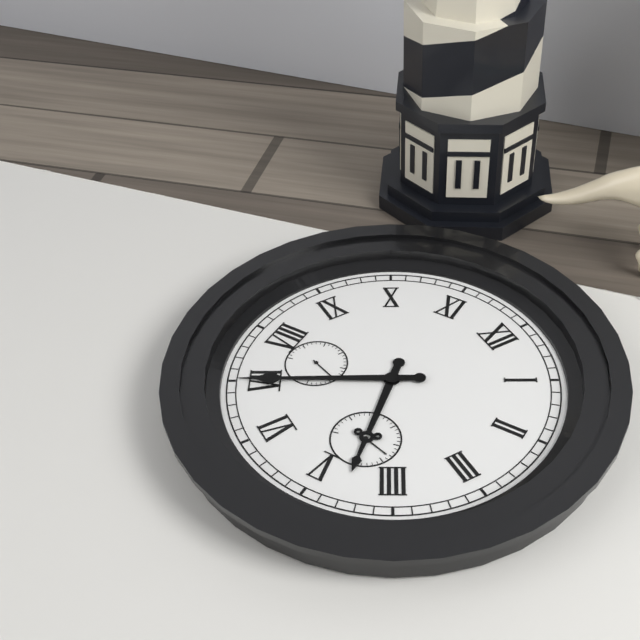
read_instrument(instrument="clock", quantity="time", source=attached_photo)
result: 4:35
